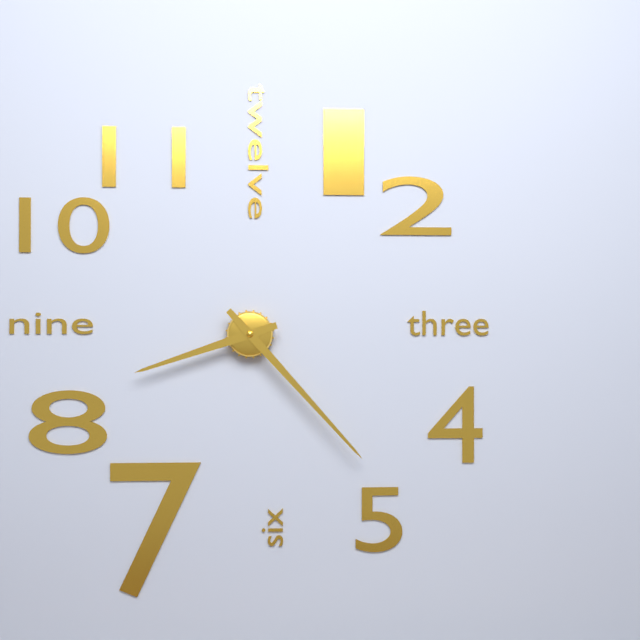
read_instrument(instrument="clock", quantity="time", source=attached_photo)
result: 8:23
